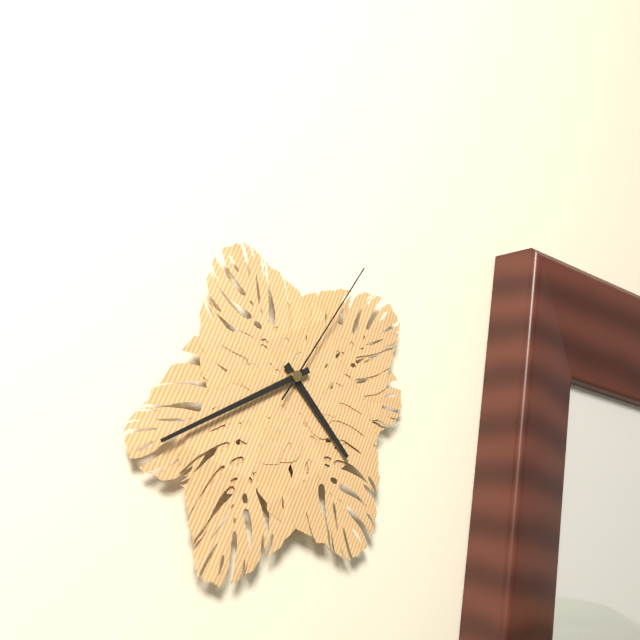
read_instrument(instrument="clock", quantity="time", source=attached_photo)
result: 4:41:06
